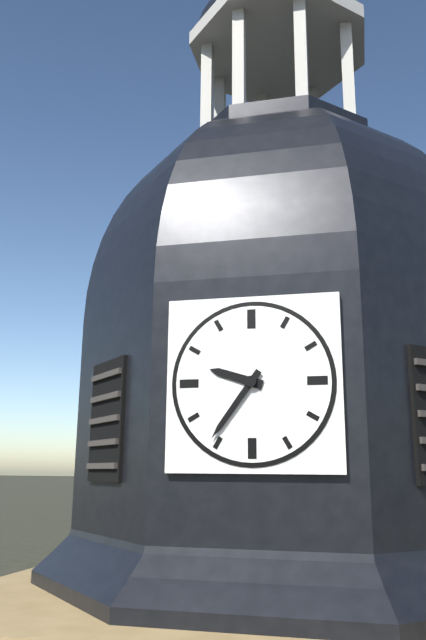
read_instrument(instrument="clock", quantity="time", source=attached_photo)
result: 9:36
